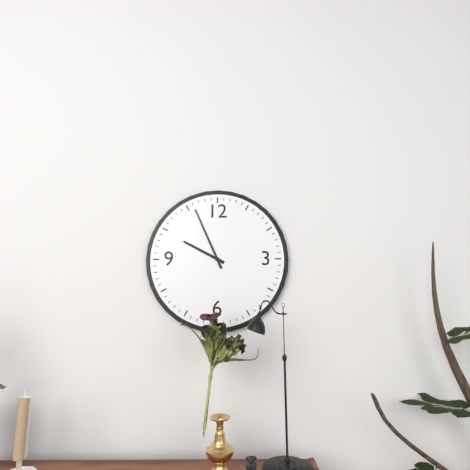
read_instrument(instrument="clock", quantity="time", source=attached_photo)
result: 9:56
